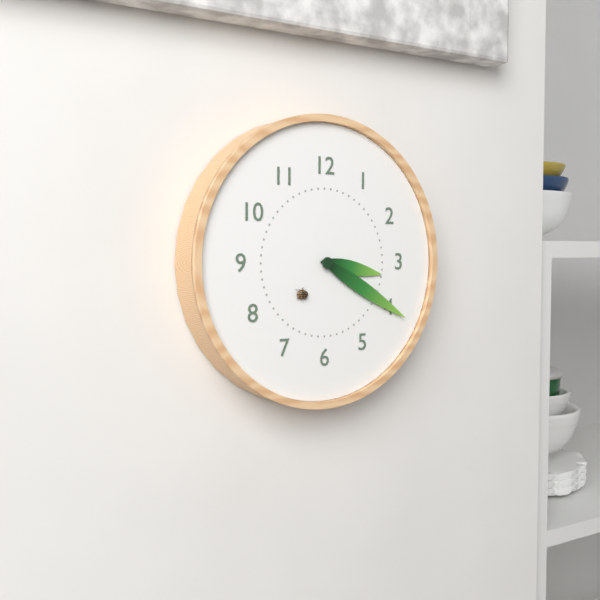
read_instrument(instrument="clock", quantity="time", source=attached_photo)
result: 3:20
